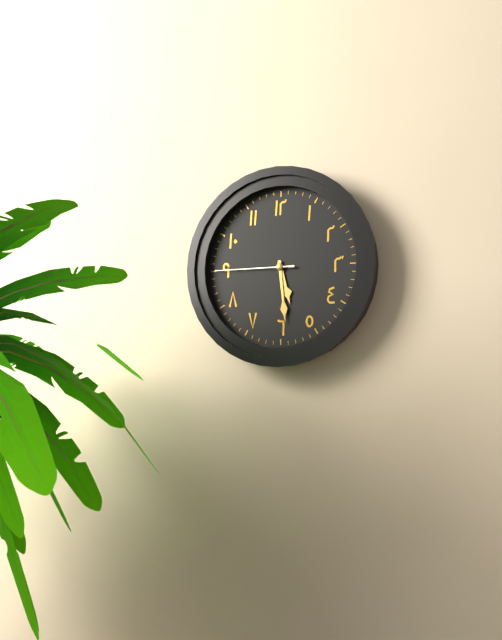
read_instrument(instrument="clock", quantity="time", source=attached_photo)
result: 5:29:45
